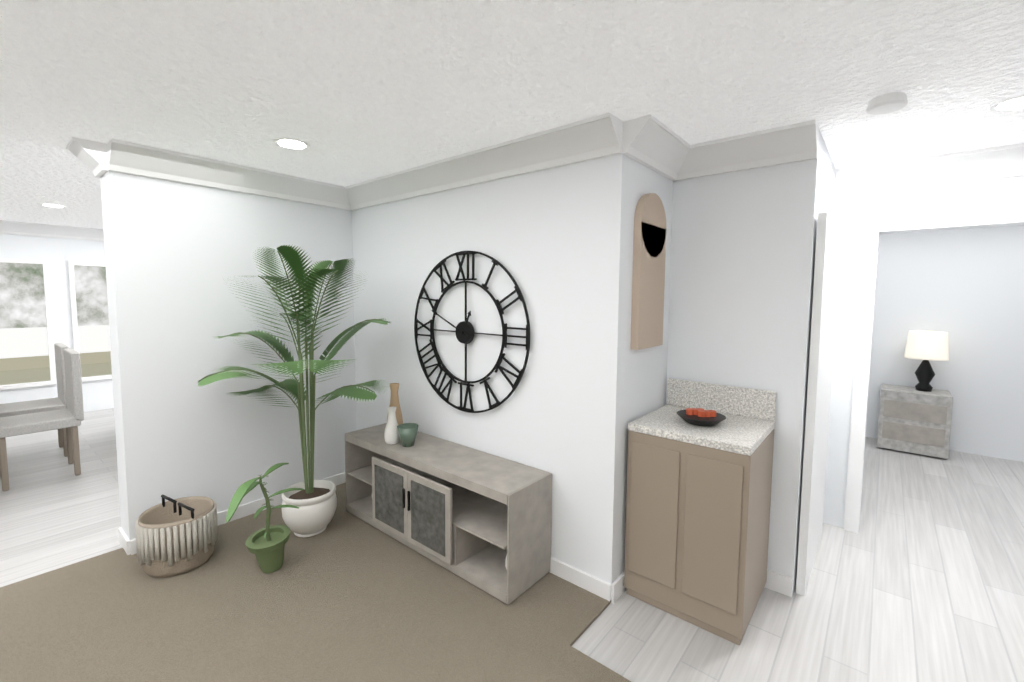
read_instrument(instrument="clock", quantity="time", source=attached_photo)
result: 12:49
